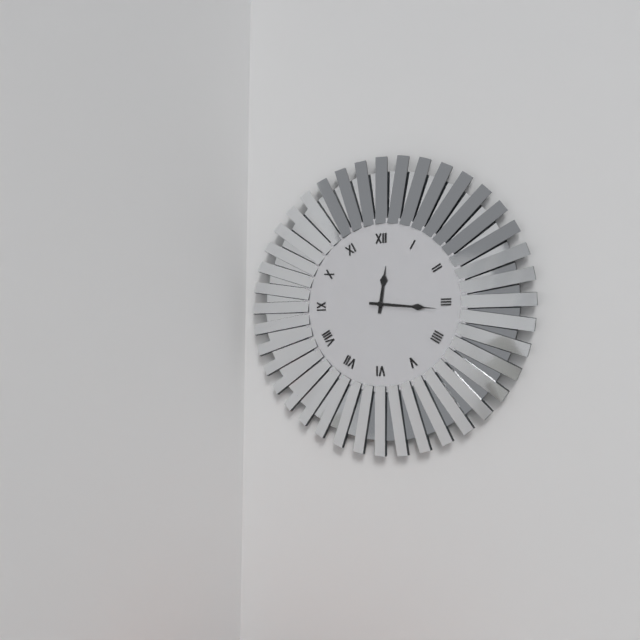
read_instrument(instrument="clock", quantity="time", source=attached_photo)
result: 12:16
